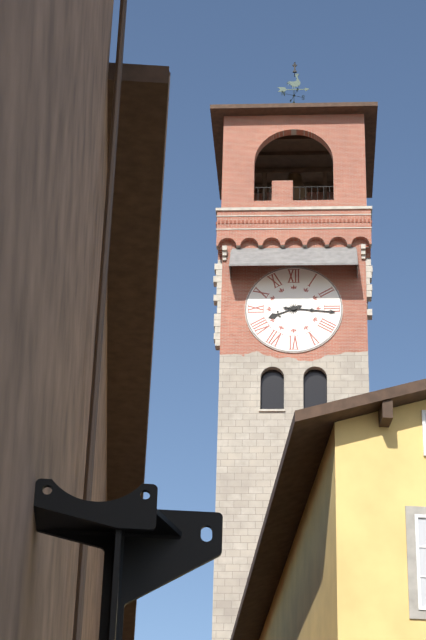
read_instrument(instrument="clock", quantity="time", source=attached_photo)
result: 8:16
